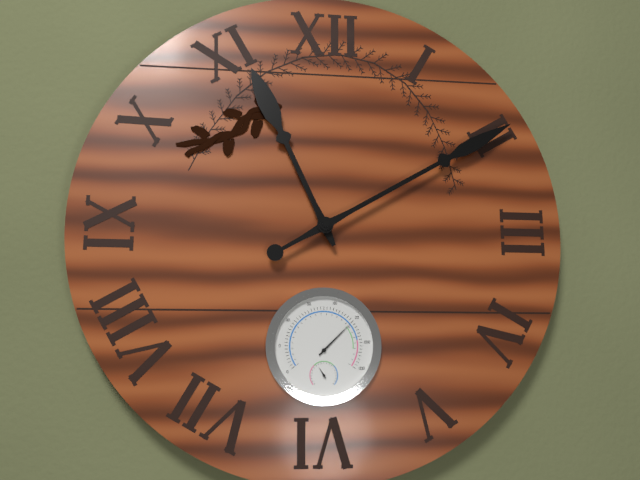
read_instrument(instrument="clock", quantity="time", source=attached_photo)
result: 11:10
